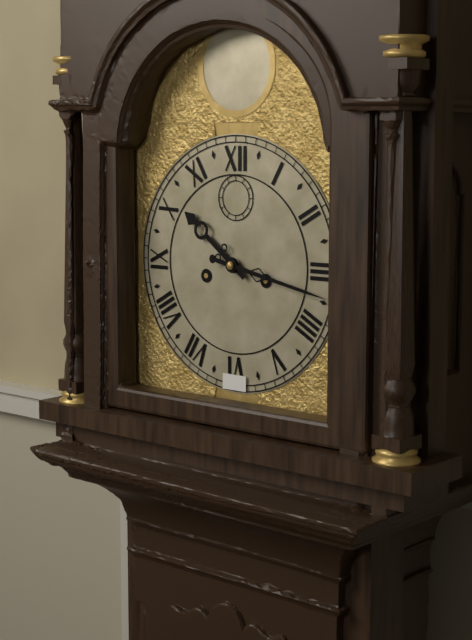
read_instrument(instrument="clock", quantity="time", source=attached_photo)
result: 10:17
